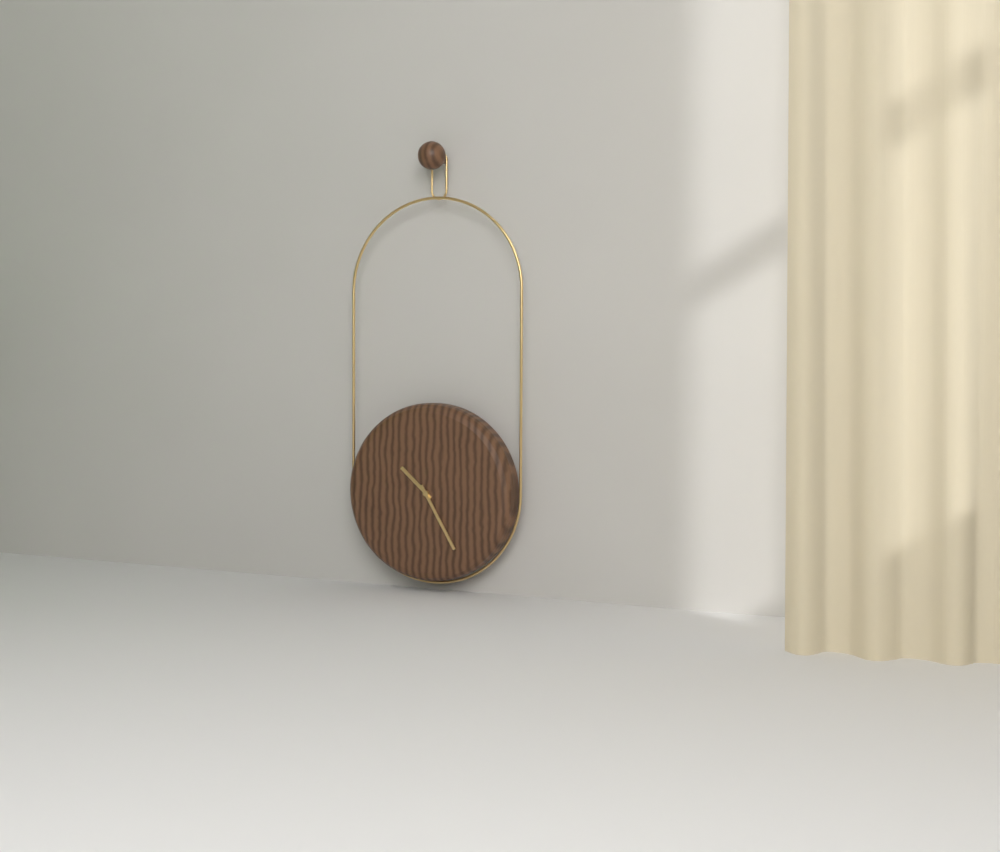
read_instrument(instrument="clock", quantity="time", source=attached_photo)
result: 10:25
